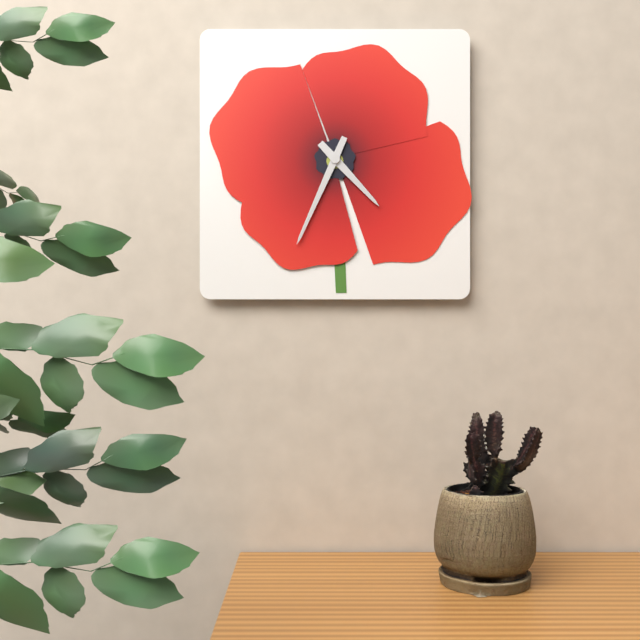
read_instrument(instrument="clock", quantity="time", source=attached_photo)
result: 4:34
